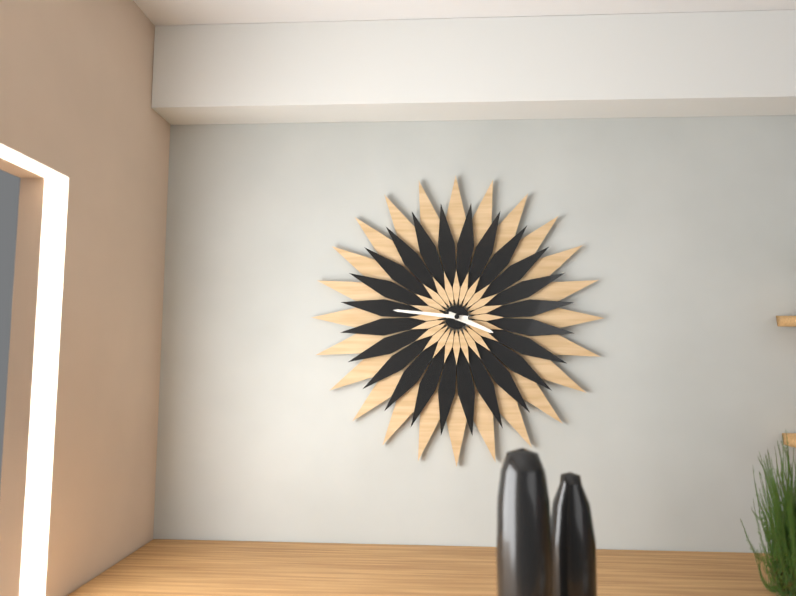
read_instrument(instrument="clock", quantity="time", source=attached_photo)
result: 3:46
